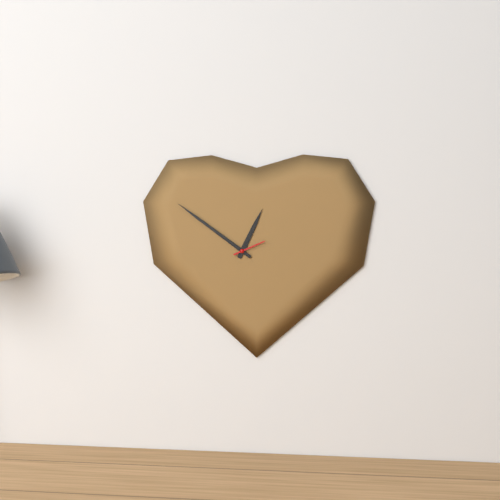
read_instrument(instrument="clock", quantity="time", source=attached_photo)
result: 12:51
